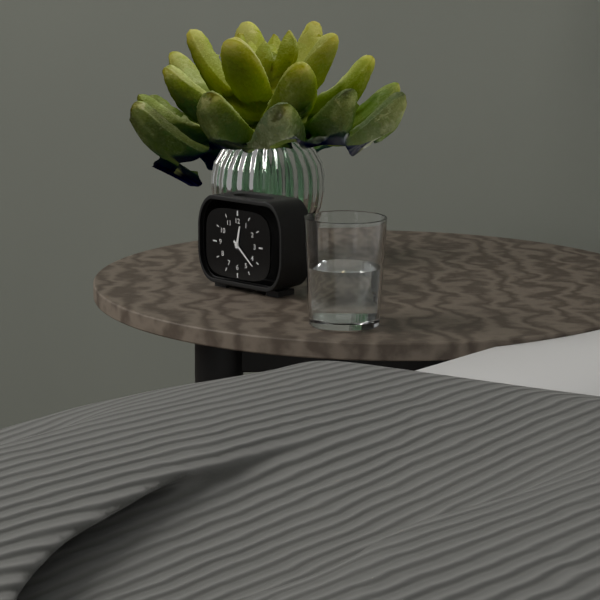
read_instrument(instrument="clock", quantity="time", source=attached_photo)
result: 12:22
